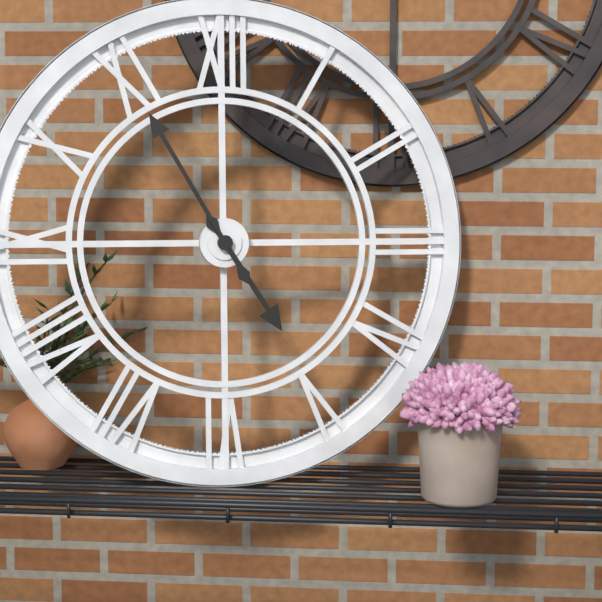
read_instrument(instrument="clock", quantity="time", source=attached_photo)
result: 4:55
